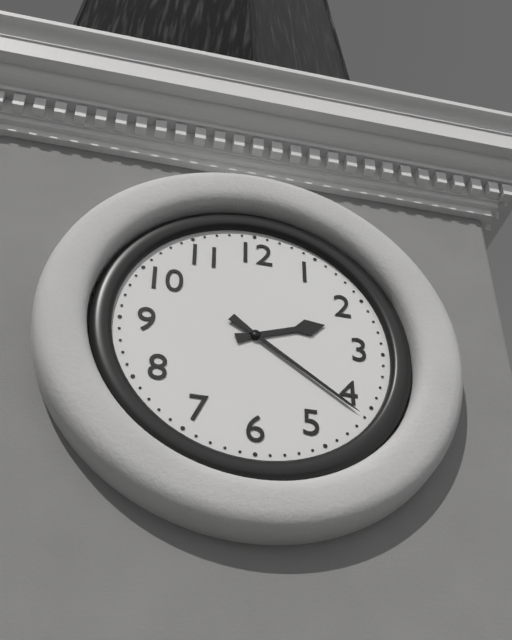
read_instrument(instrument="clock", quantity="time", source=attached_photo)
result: 2:21
